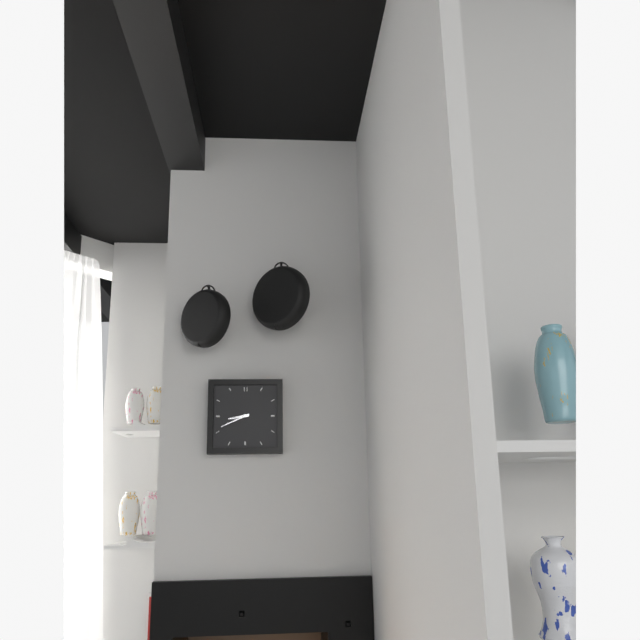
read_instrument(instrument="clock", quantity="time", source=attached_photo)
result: 8:41
